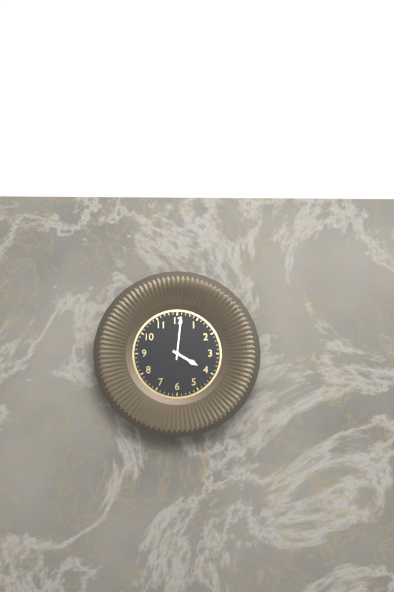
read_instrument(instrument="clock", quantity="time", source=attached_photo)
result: 4:01
